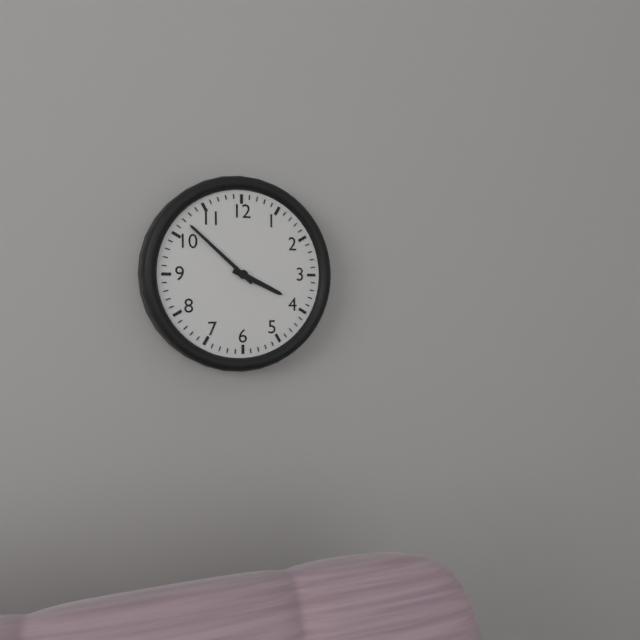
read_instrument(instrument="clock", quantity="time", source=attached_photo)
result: 3:52
